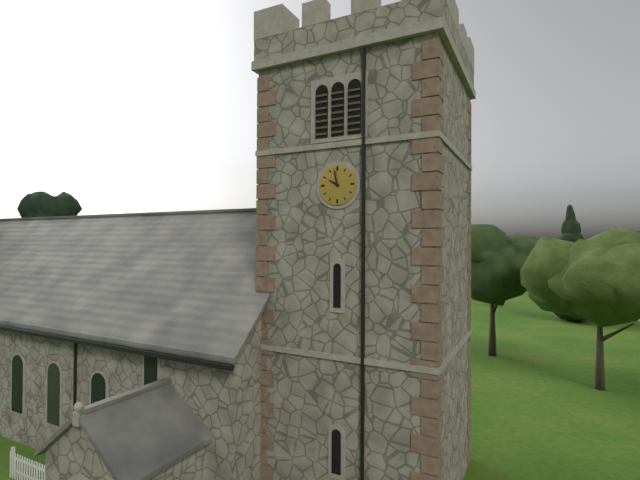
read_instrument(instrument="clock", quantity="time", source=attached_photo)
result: 9:58
